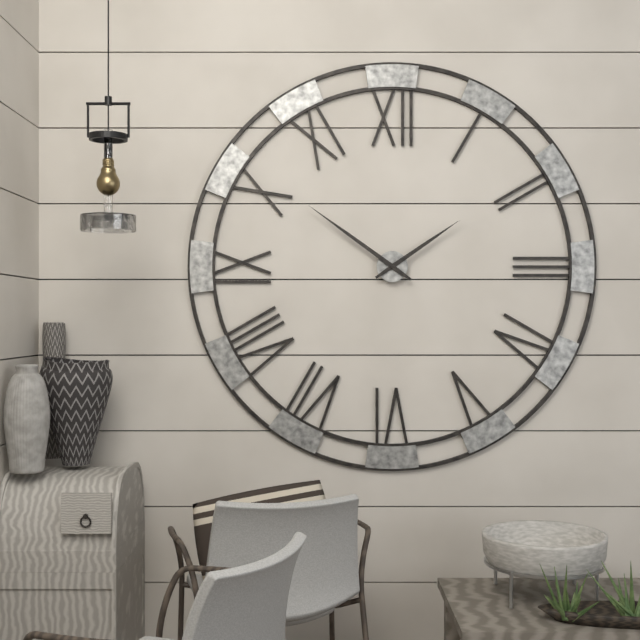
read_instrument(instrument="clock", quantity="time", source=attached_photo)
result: 1:51
